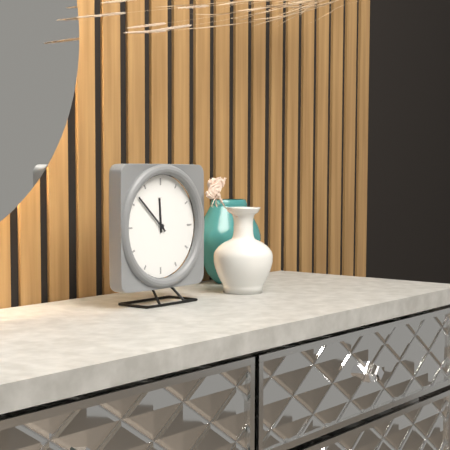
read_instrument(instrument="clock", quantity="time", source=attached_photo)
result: 11:52
